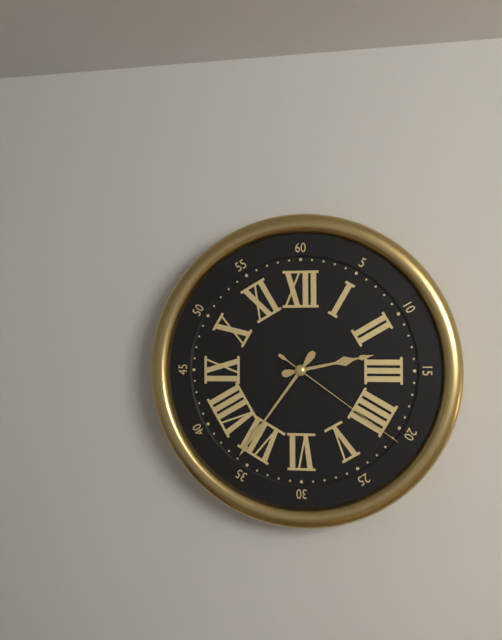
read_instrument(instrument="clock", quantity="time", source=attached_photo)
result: 2:36:21
